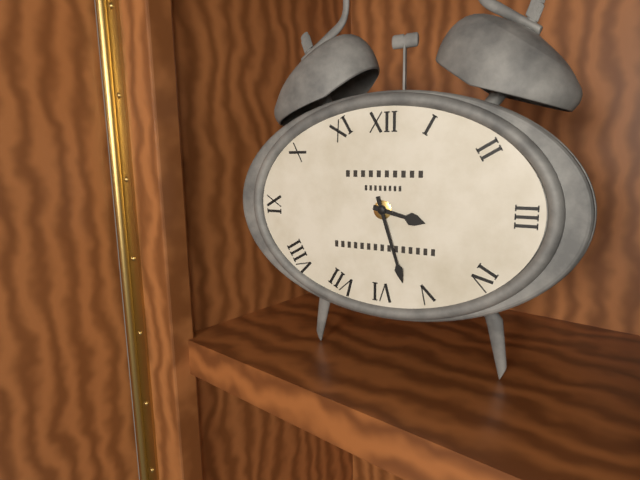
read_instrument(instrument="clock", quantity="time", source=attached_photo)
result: 3:27
